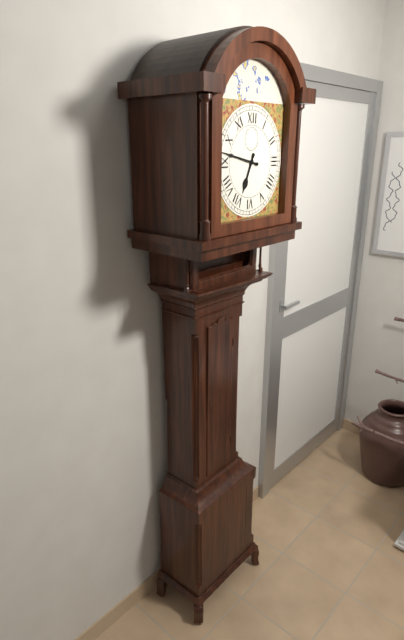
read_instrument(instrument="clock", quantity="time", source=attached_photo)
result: 6:47
